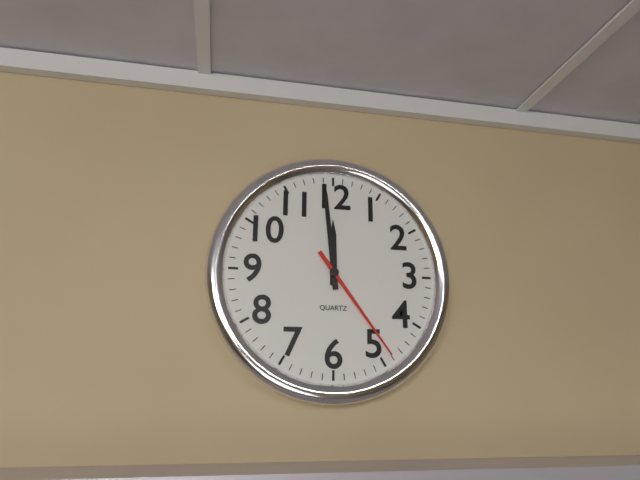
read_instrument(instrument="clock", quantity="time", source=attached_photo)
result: 11:59:24
